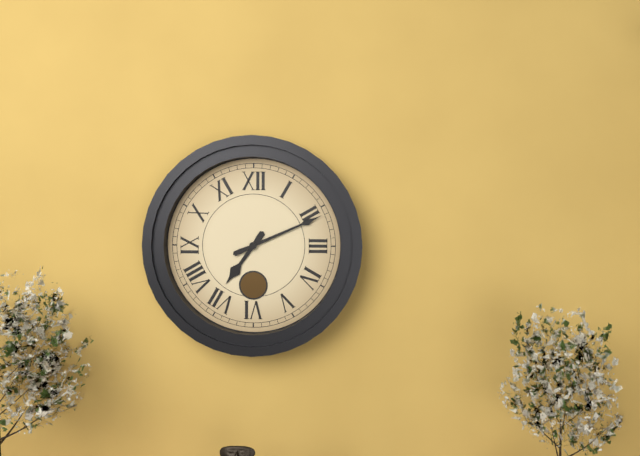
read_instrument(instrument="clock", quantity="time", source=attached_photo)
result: 7:11
